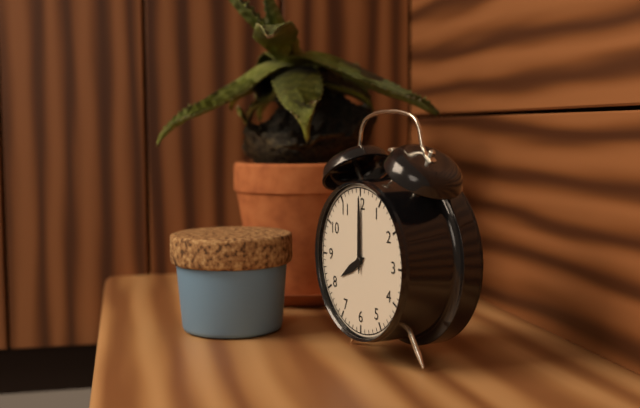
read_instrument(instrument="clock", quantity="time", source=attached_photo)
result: 8:00
